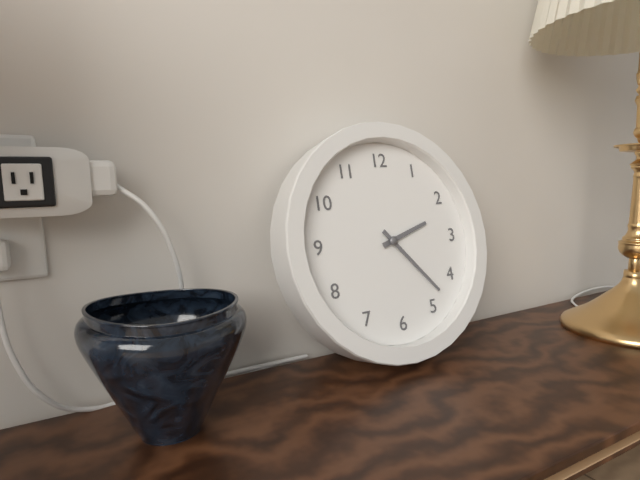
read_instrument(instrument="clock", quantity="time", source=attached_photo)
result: 2:23
